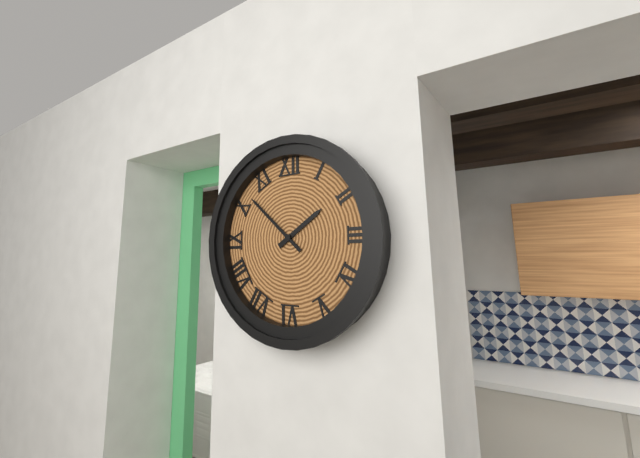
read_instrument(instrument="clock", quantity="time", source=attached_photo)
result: 1:52
